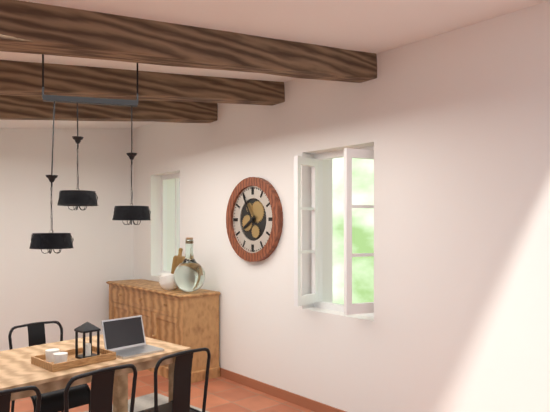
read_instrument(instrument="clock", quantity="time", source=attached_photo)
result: 7:55
